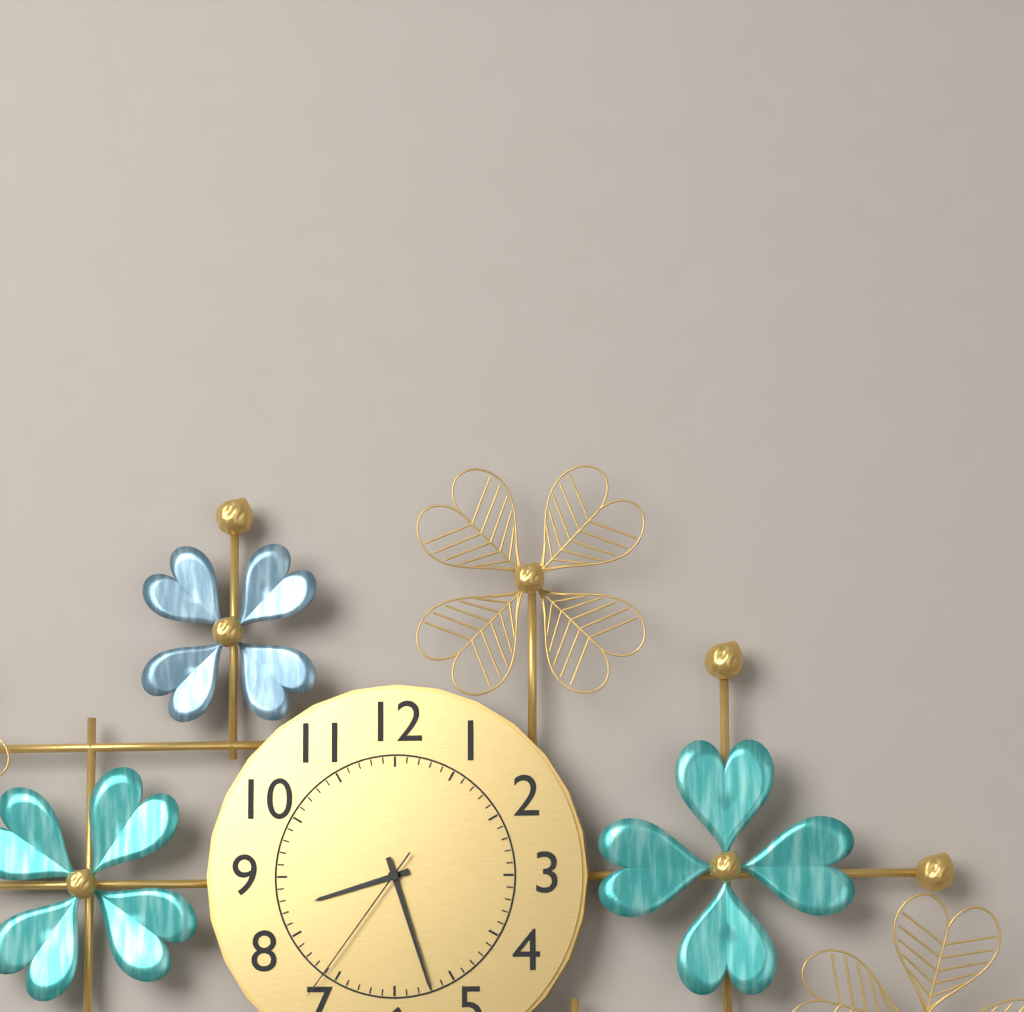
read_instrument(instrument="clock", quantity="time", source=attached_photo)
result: 8:27:36
